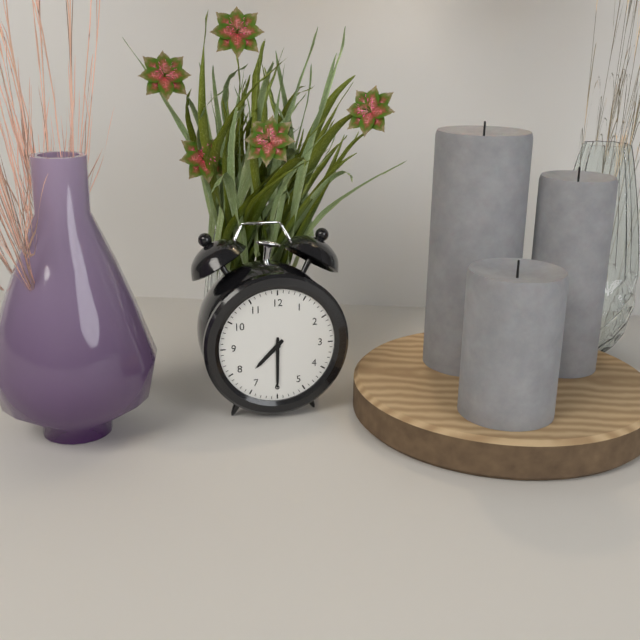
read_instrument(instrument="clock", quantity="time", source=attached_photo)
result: 7:30
